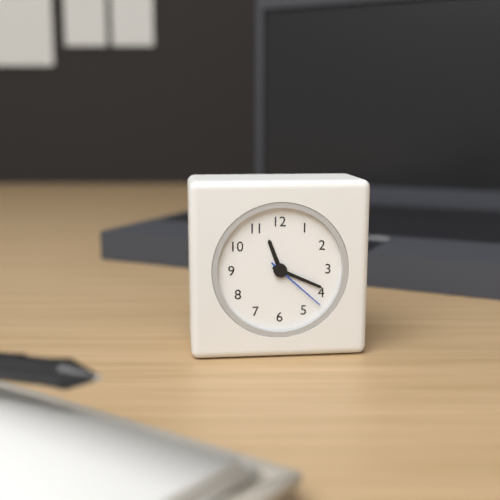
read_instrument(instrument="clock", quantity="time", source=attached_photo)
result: 11:19:22
